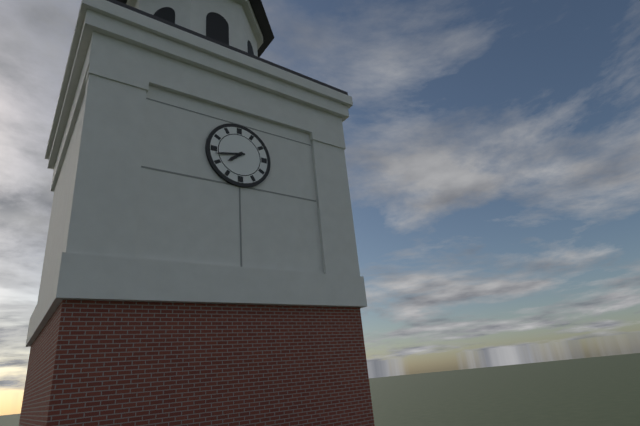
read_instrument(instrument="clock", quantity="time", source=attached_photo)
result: 7:43
